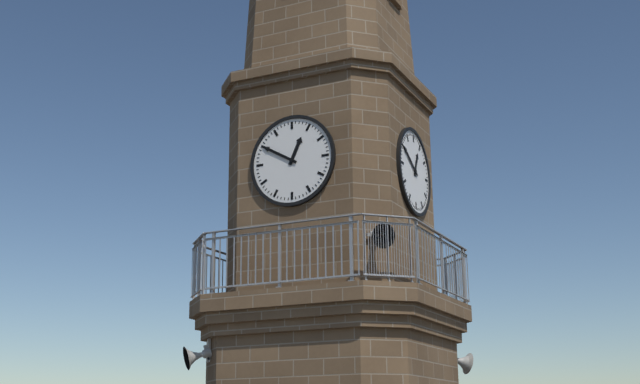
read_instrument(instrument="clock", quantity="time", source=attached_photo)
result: 12:50
